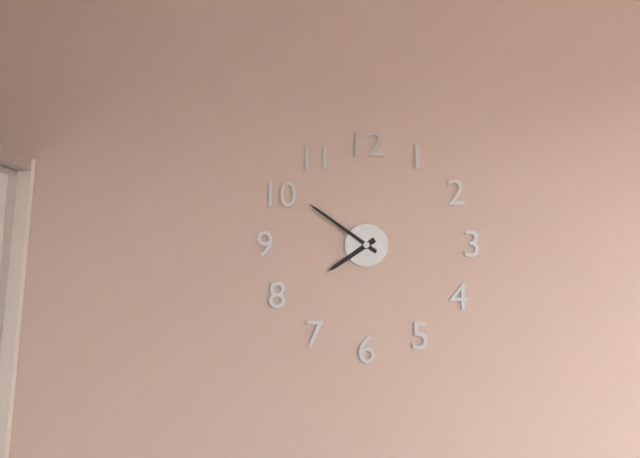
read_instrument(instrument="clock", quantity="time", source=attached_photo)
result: 7:51
